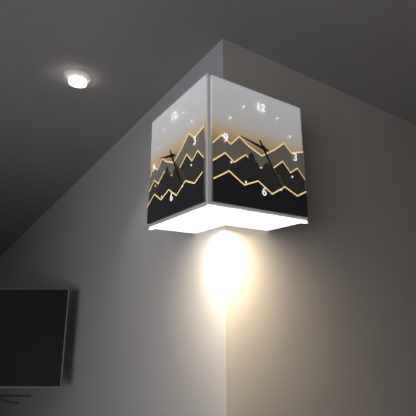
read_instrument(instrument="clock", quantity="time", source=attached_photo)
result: 9:25
